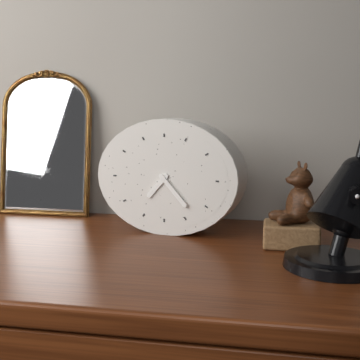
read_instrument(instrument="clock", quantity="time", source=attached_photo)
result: 7:23
